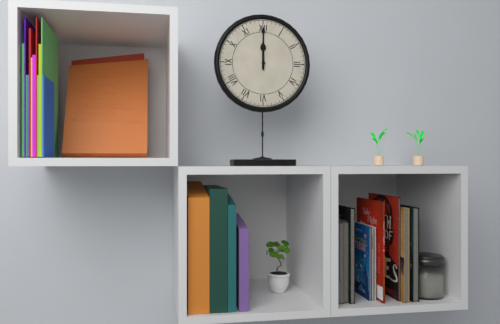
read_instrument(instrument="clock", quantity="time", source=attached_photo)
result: 12:00
